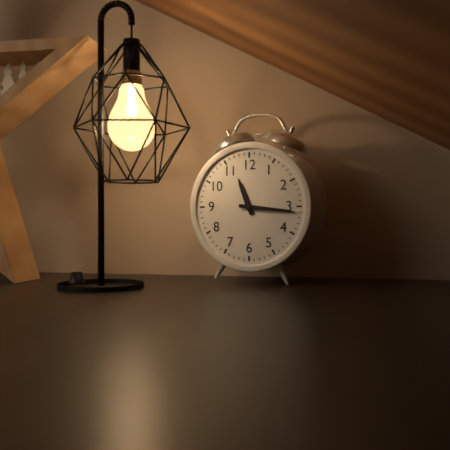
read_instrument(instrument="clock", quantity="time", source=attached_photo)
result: 11:16
